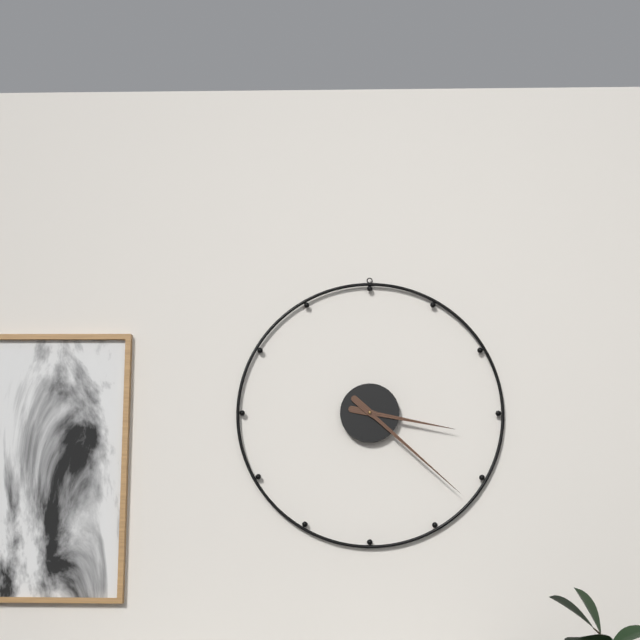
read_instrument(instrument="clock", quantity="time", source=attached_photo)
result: 3:22
